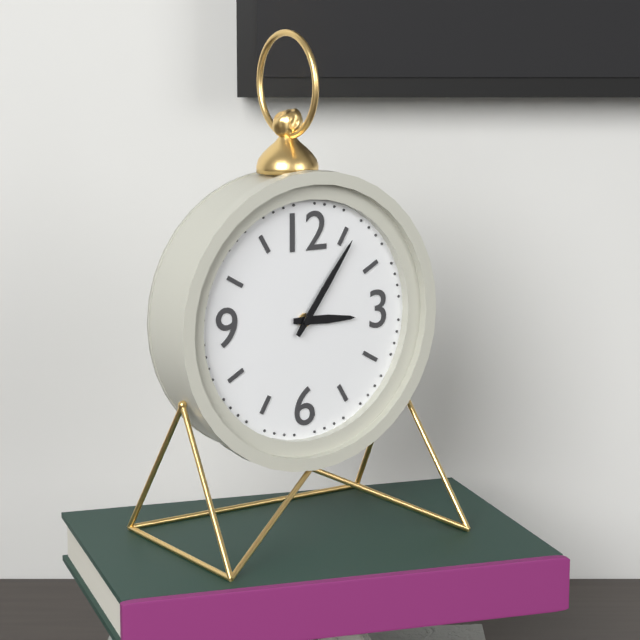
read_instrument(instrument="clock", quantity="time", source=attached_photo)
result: 3:06
